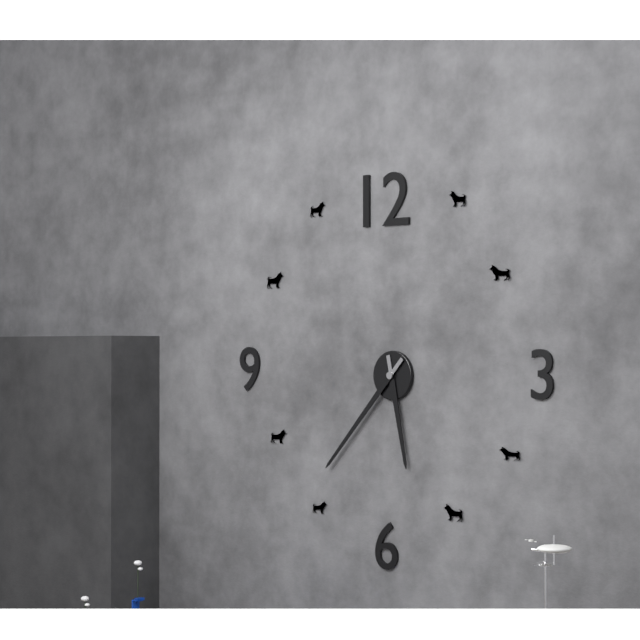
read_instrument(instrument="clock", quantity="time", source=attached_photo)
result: 5:37
